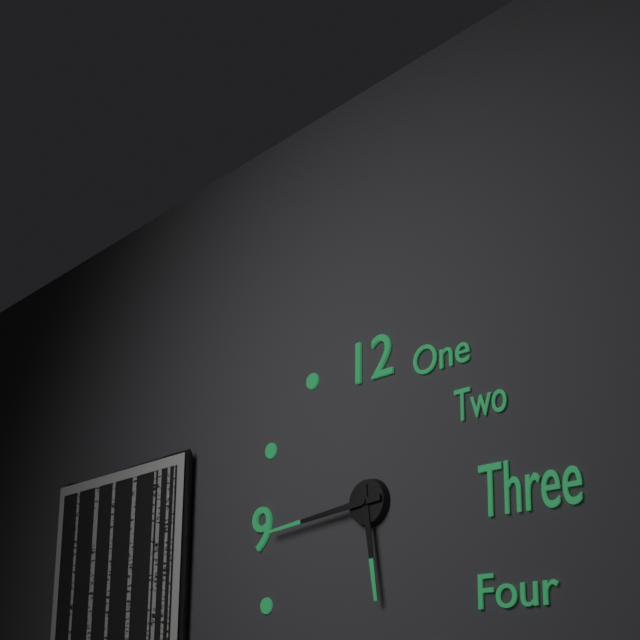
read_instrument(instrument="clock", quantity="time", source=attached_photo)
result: 5:44
